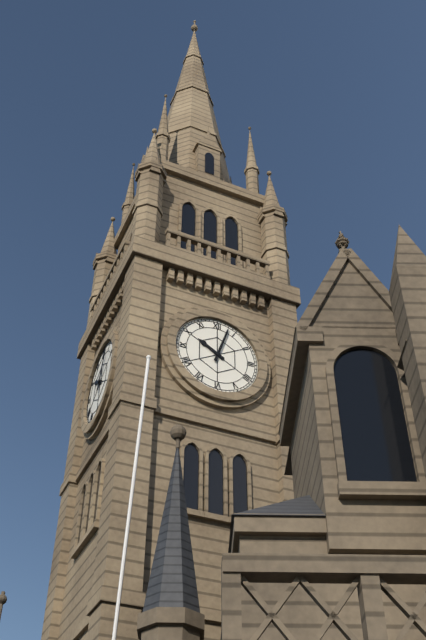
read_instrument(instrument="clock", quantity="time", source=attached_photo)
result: 10:03
